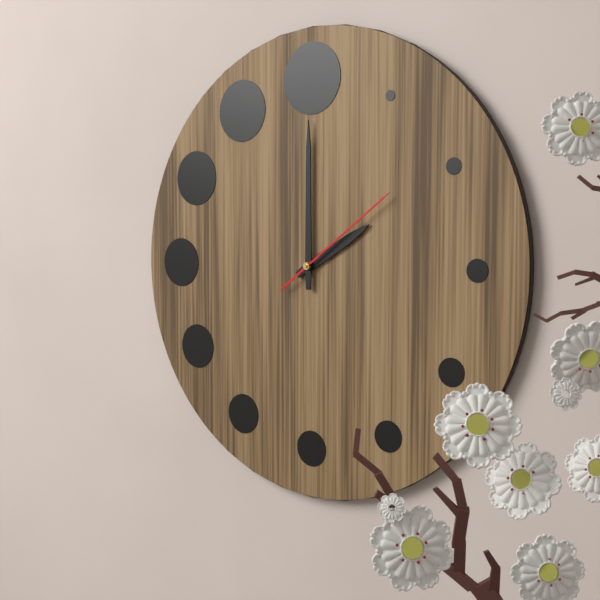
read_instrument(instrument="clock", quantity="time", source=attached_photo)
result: 2:00:09
